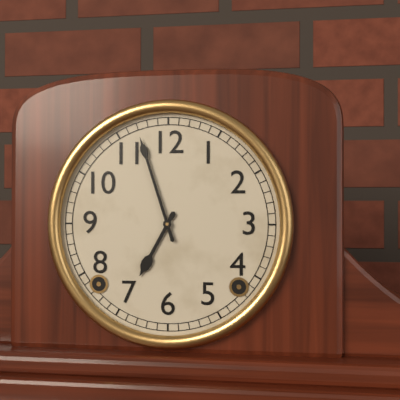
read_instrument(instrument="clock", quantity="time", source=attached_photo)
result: 6:57
